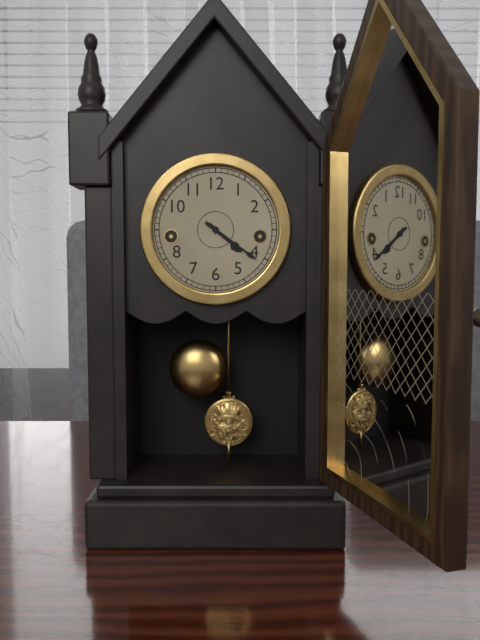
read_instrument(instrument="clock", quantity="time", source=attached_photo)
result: 4:21
